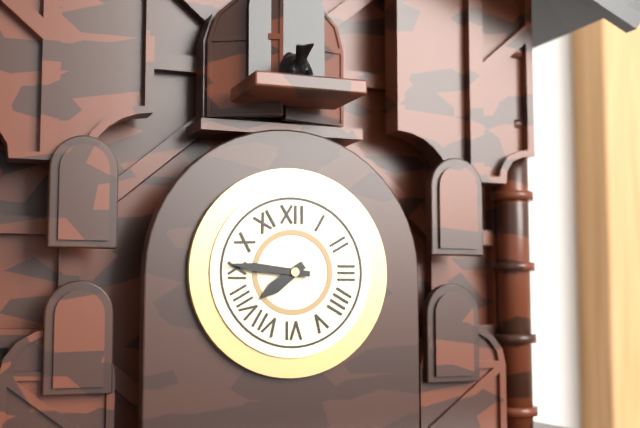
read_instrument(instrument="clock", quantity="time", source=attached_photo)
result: 7:46
